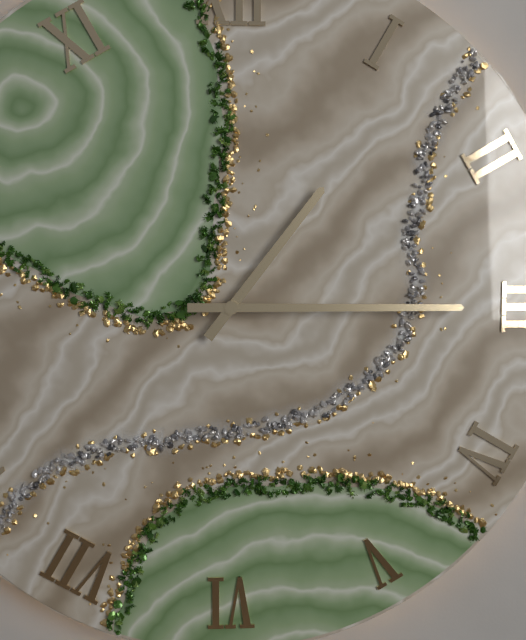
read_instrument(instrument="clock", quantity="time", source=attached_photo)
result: 1:15
